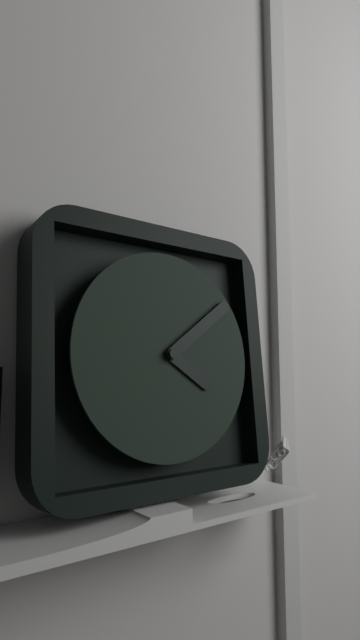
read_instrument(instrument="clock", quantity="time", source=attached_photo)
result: 4:09
